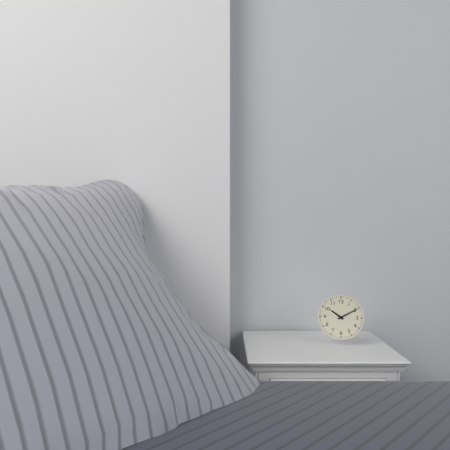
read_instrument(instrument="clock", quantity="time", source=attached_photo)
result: 10:10
